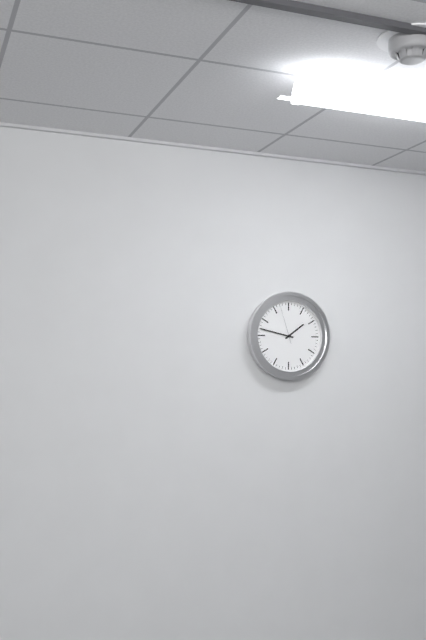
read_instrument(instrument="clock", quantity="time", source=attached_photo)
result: 1:47
